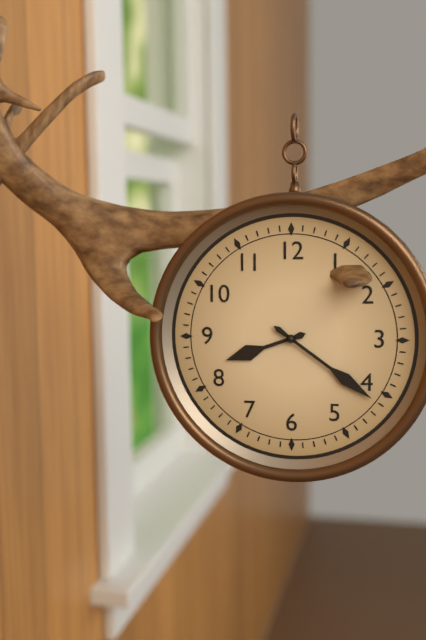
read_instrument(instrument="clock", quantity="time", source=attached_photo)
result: 8:21
